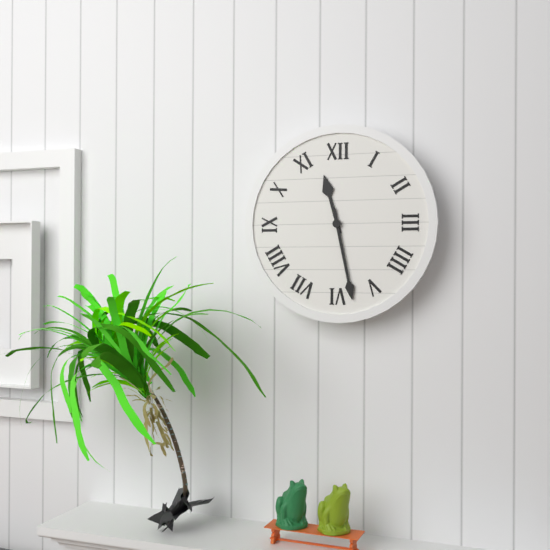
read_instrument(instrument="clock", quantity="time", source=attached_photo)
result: 11:28
